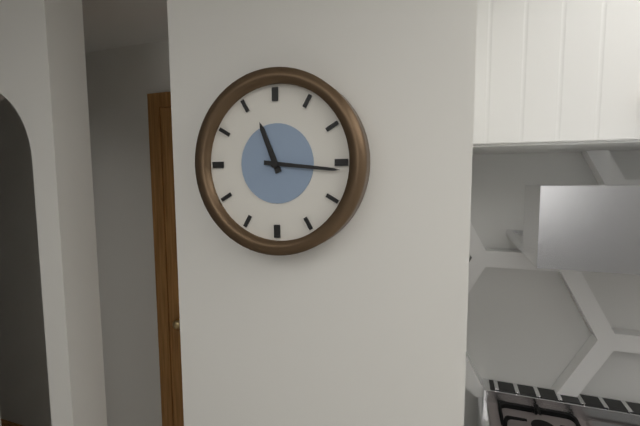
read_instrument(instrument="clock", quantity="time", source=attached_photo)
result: 11:16
